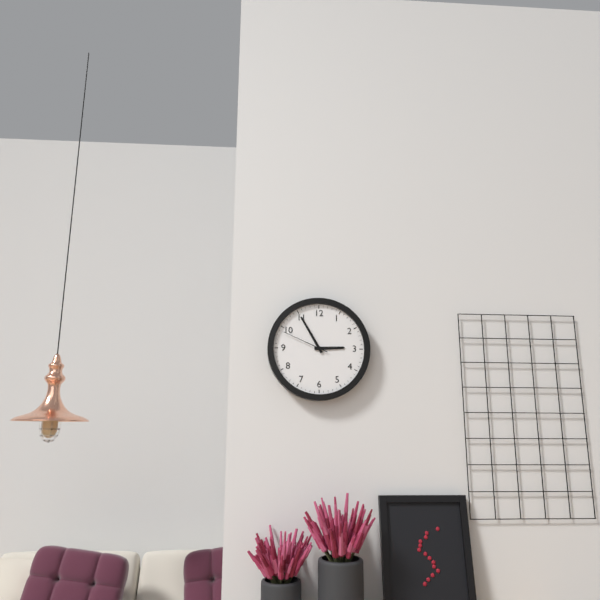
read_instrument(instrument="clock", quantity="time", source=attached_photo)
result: 2:55:49
